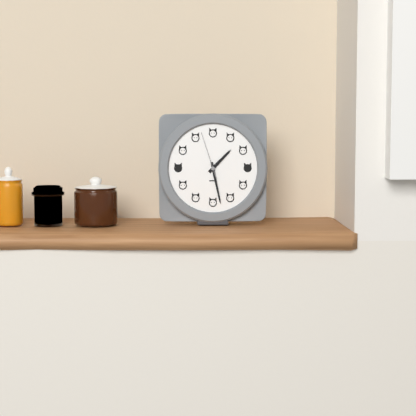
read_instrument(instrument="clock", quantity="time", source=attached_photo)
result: 1:28
